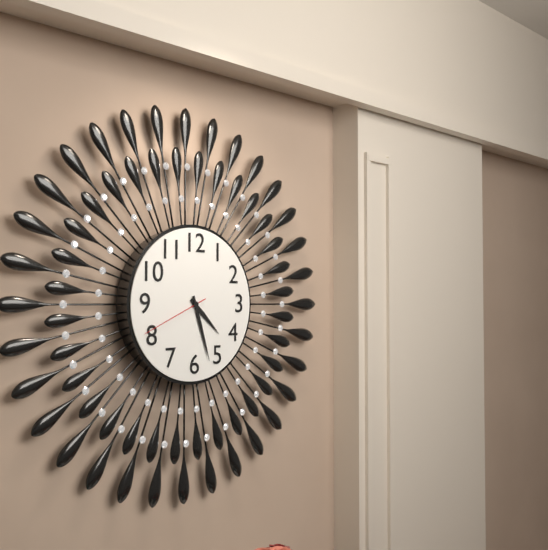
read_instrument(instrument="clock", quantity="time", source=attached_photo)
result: 4:27:41
